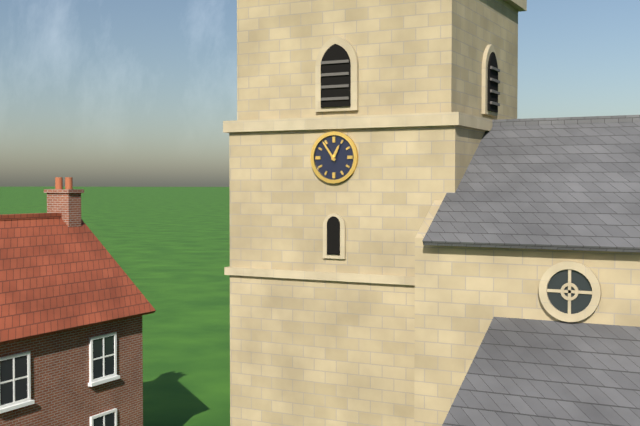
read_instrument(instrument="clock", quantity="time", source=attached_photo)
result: 12:54
